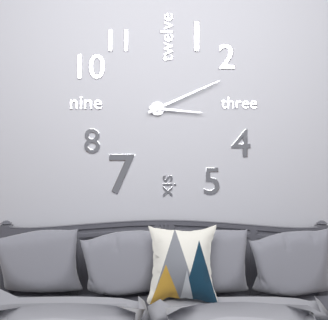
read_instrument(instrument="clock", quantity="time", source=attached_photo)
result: 3:11
